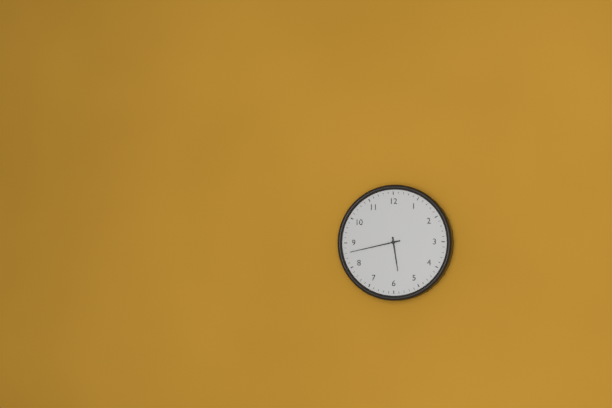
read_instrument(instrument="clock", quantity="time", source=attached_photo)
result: 5:43
